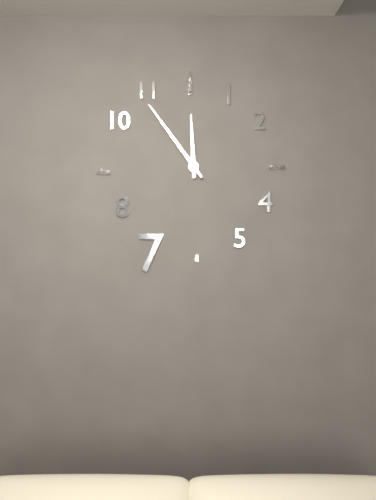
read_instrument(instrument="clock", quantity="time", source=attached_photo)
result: 11:54
